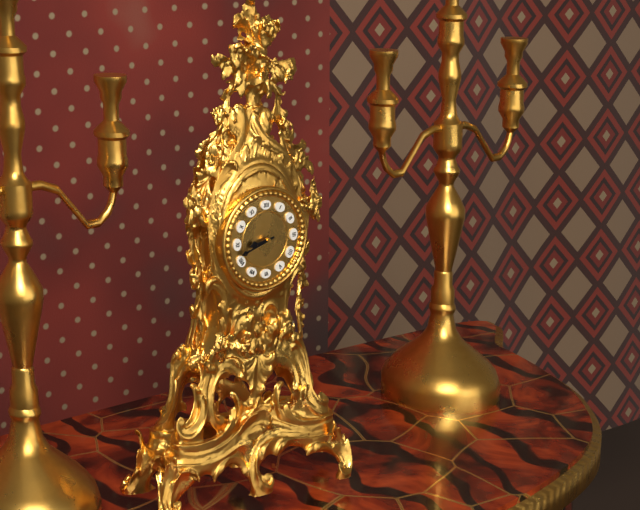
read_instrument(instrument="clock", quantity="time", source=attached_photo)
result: 8:42
